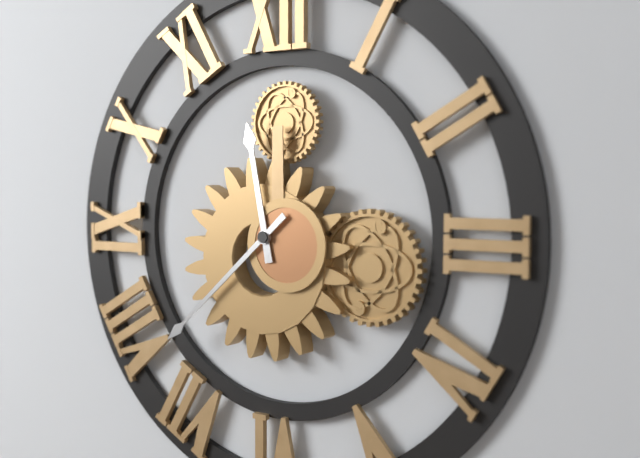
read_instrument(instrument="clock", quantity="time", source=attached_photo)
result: 11:38
